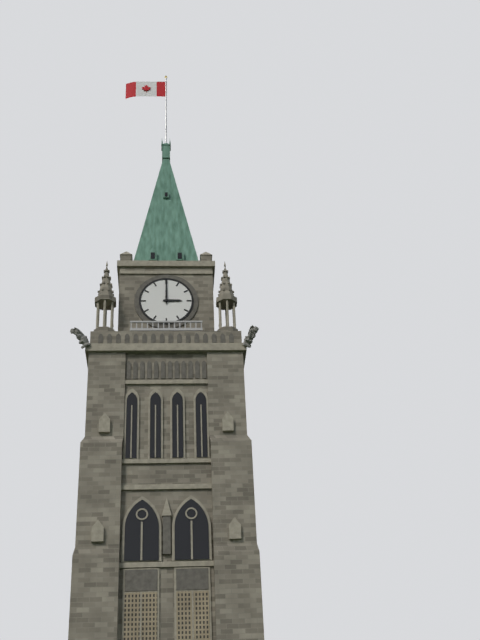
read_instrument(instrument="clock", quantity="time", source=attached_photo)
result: 3:00
